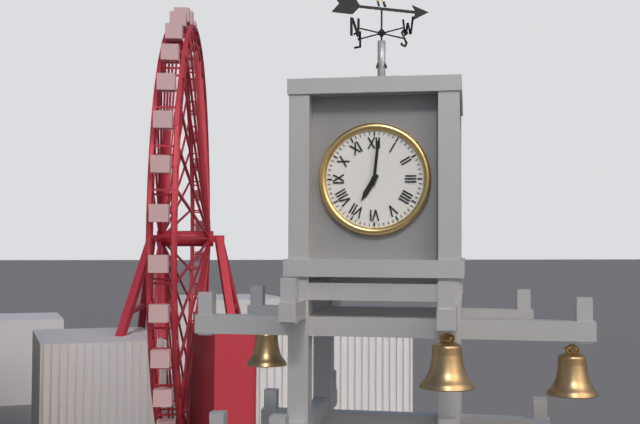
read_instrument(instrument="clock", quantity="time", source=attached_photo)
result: 7:01
